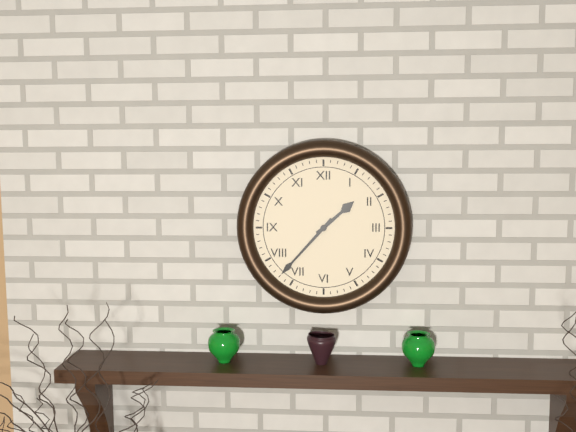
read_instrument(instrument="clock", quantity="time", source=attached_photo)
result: 1:37
